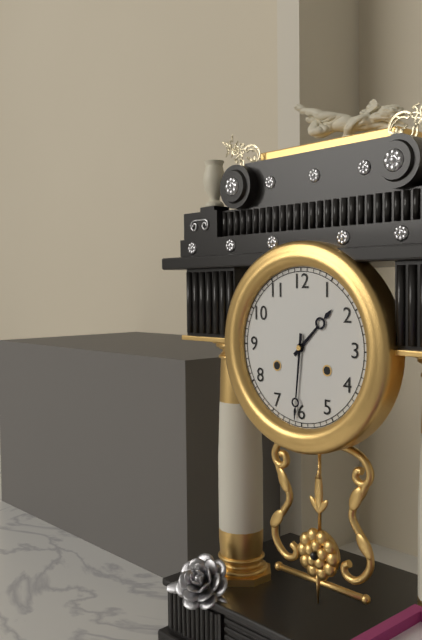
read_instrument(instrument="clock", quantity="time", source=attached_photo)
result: 1:31
